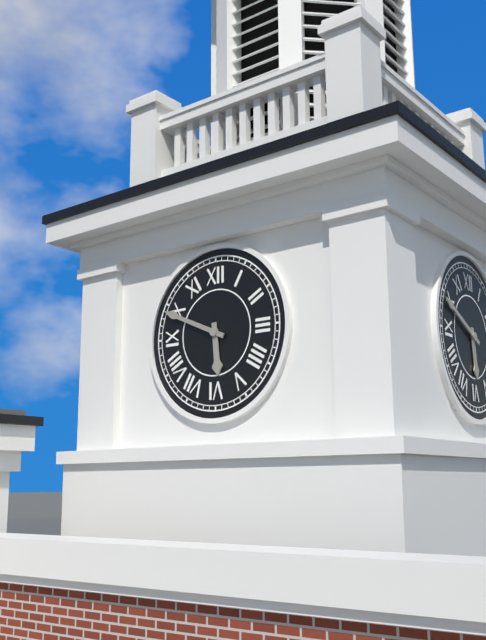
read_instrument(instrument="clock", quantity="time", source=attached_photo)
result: 5:49
